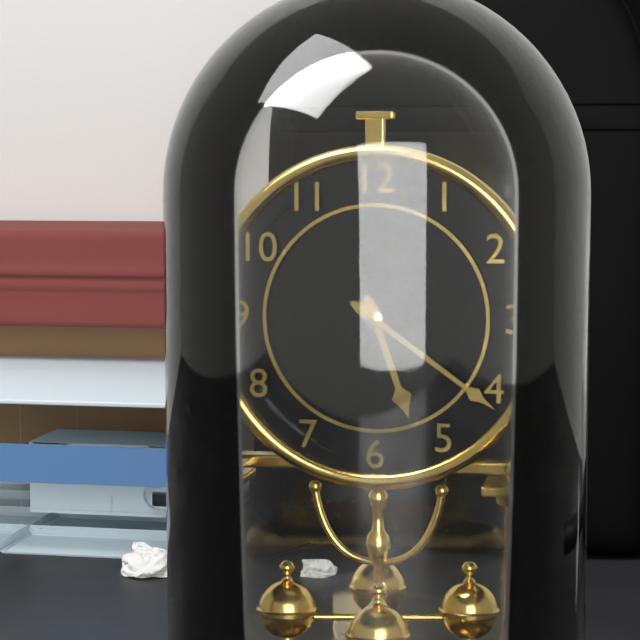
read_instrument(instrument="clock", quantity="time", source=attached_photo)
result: 5:21
